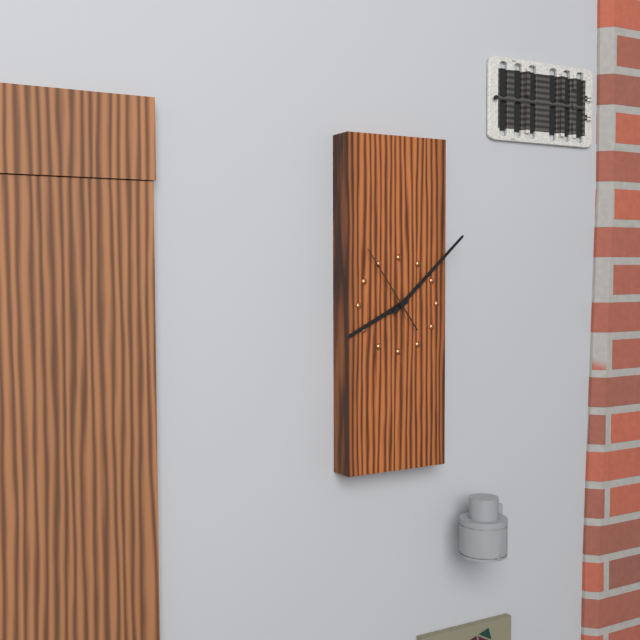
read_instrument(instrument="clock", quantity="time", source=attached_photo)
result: 8:08:54
